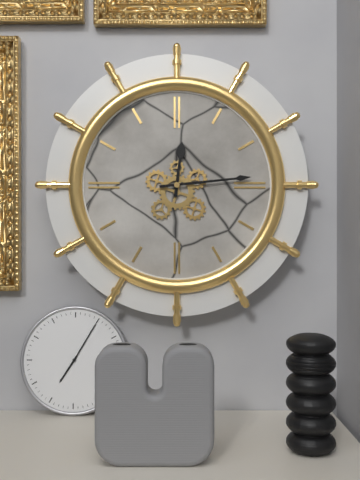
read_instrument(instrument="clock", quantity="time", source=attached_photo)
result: 12:14
